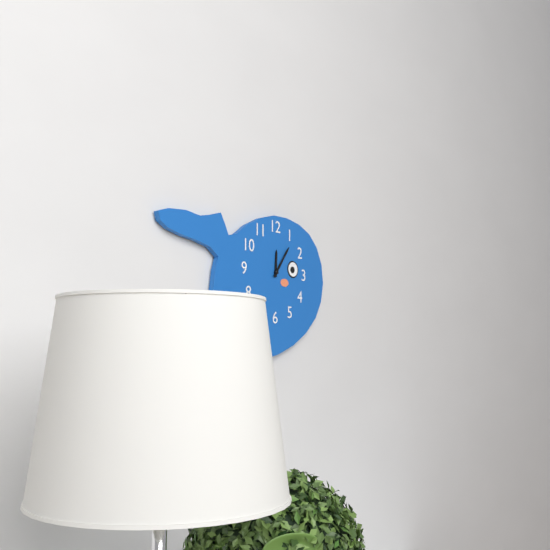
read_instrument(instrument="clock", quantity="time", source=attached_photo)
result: 12:06
